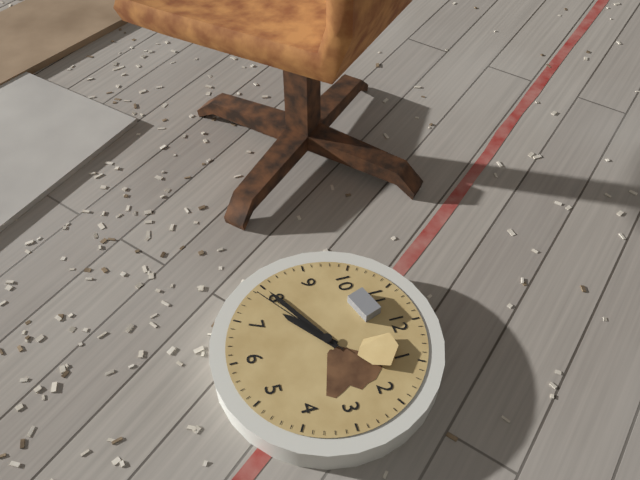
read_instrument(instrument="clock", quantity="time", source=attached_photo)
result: 7:40:39
